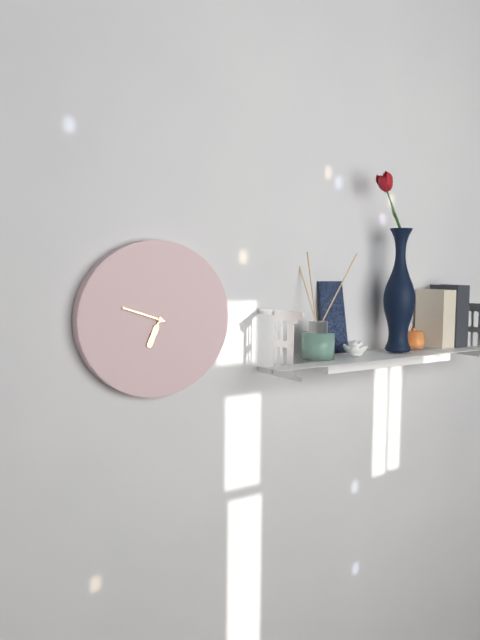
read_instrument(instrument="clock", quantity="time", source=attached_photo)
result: 6:48
